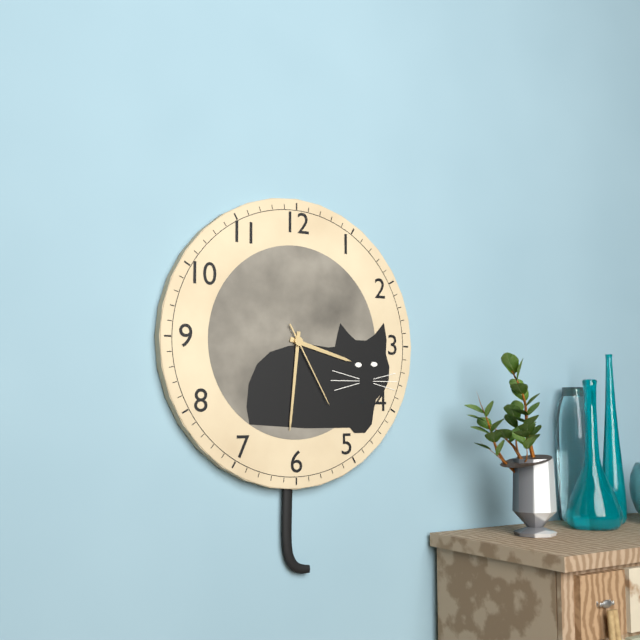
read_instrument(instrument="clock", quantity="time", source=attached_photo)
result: 3:31:25
